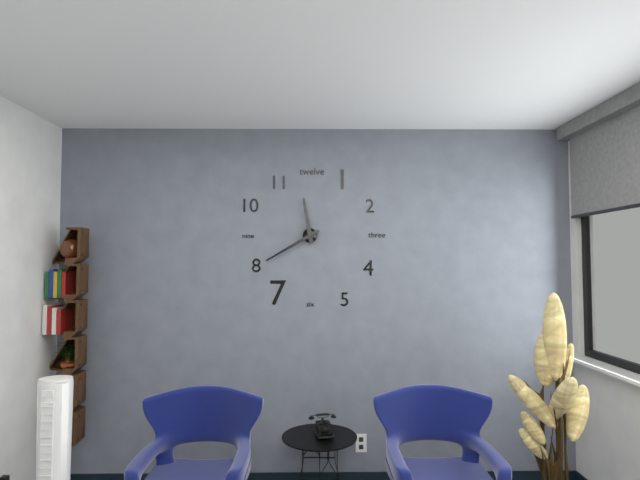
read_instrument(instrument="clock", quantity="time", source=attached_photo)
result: 11:40
